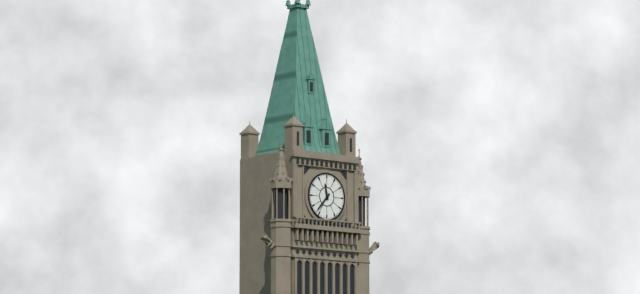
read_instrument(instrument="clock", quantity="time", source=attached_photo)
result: 11:37
